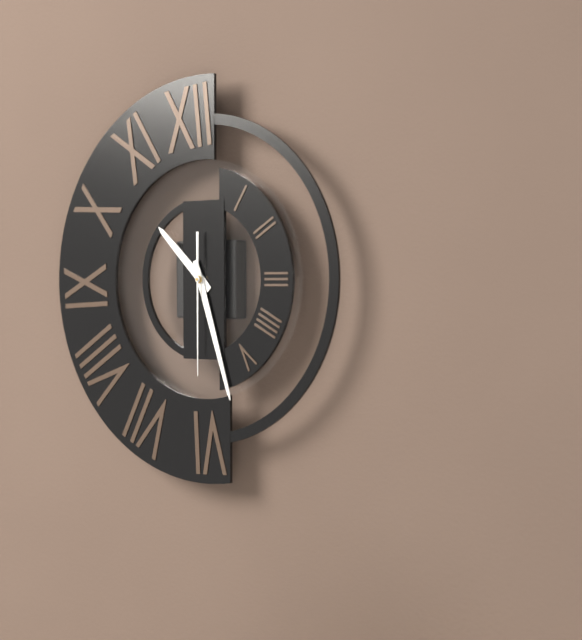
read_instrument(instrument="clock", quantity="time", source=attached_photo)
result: 10:27:30
